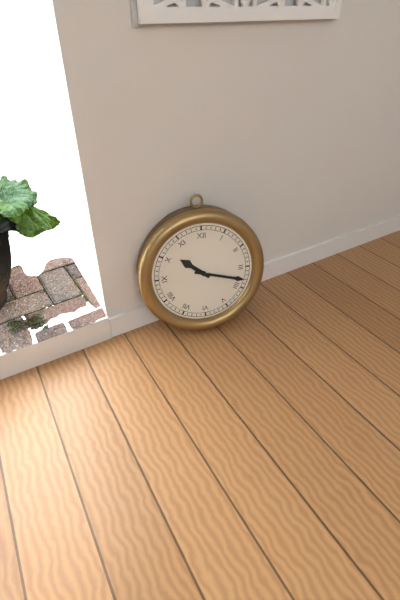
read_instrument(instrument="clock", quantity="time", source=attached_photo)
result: 10:18
